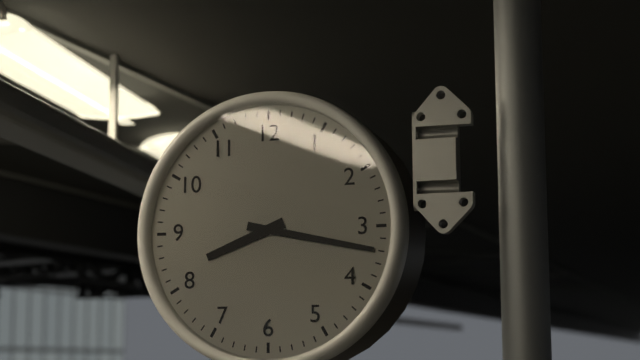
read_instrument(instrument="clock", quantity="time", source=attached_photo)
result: 8:17
